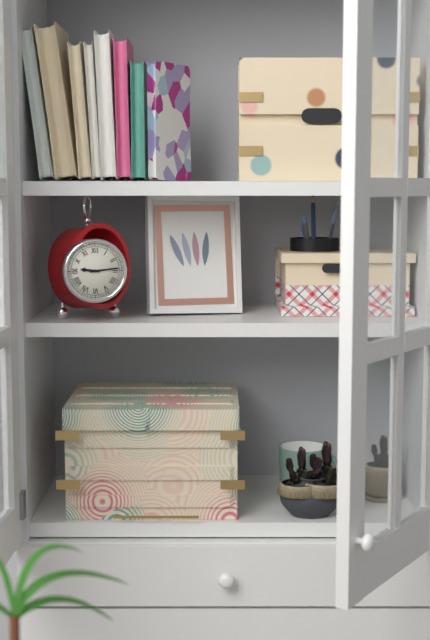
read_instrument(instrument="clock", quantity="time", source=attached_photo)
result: 9:14
